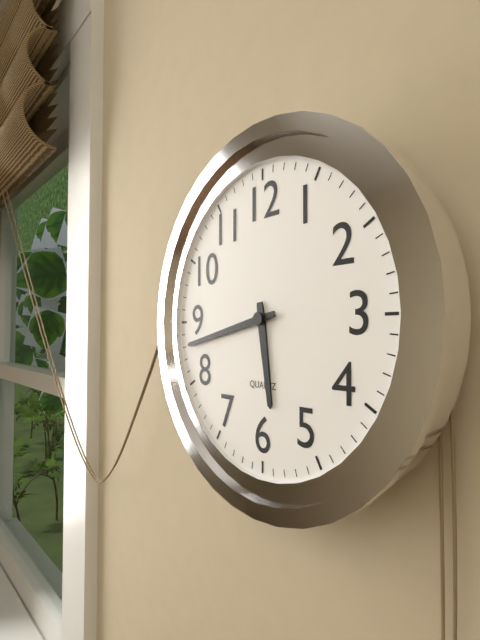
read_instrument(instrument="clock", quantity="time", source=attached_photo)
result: 5:43
